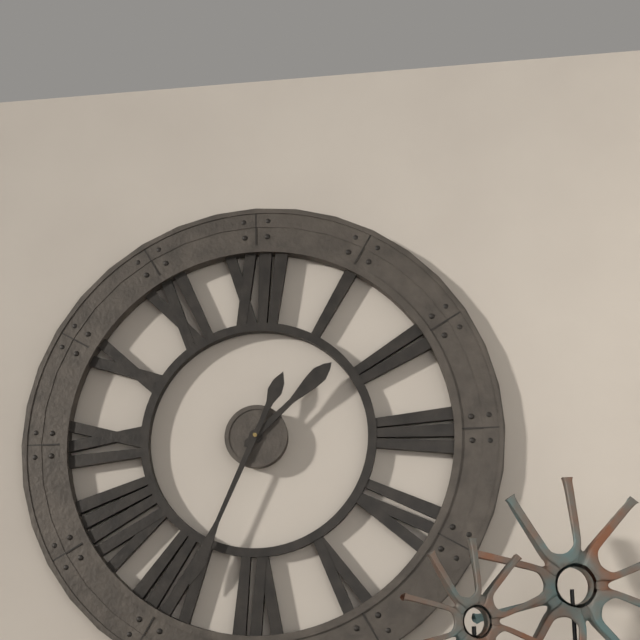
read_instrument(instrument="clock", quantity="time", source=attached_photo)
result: 1:34
